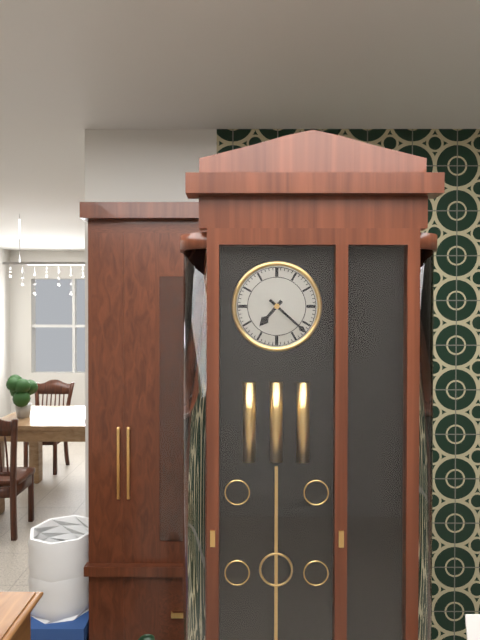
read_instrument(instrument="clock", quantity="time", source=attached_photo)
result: 7:22
